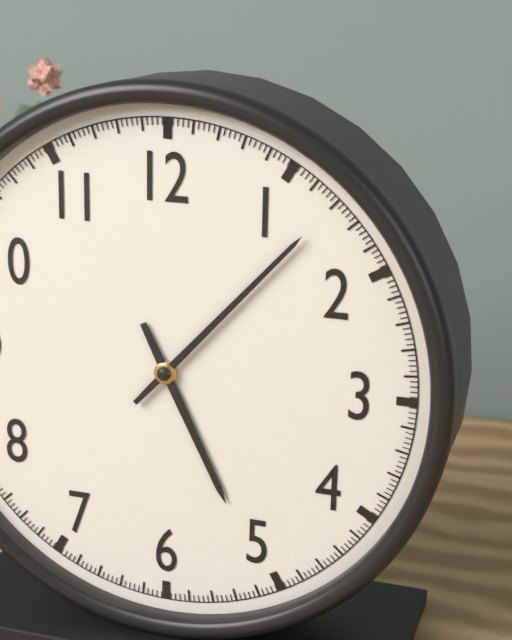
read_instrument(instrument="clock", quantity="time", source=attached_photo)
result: 5:07
